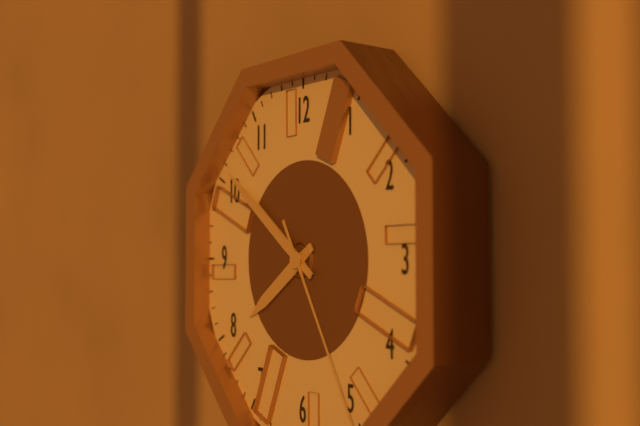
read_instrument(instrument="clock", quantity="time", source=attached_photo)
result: 7:51
